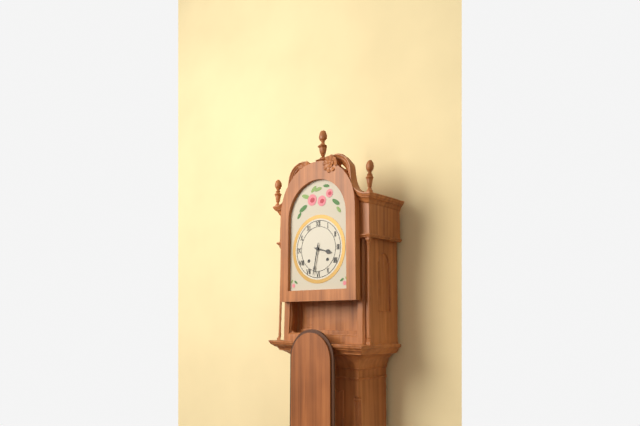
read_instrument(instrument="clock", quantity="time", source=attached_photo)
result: 3:32
